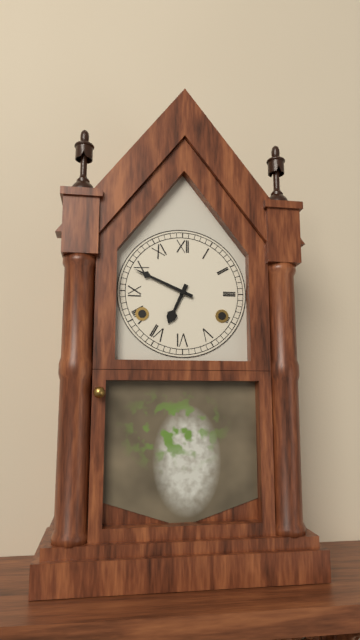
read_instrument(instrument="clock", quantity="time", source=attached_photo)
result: 6:49
